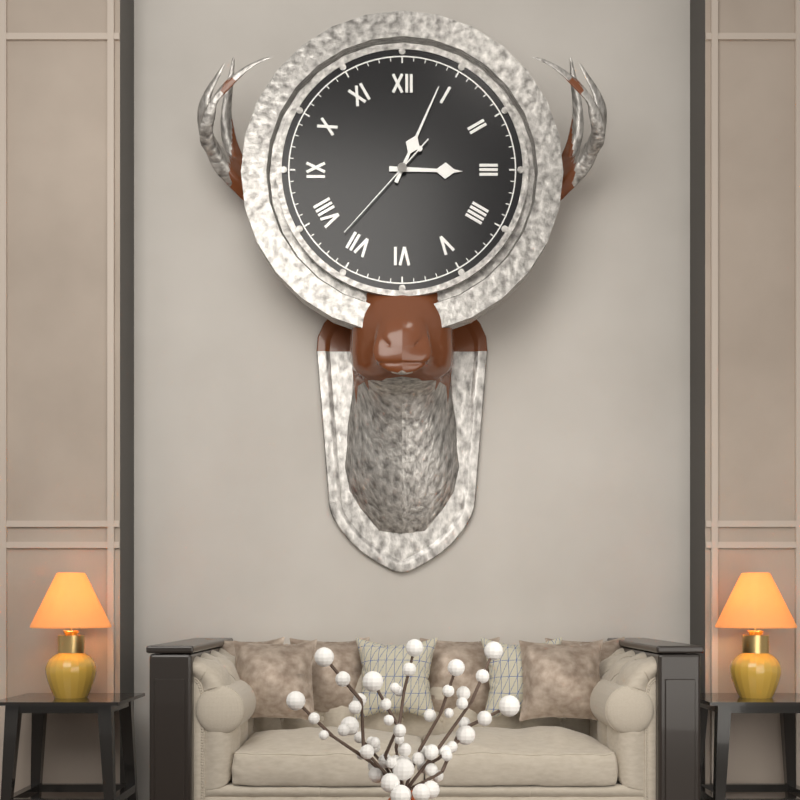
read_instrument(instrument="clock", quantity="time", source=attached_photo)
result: 3:04:37
